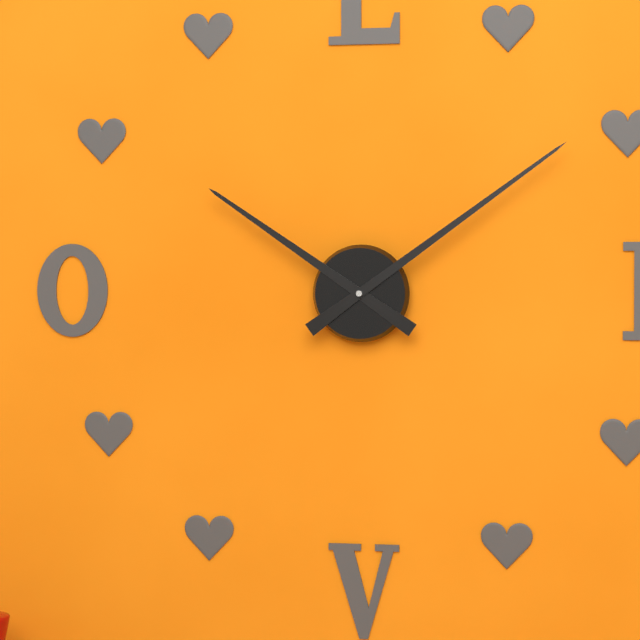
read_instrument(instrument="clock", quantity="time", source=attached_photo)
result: 10:09
